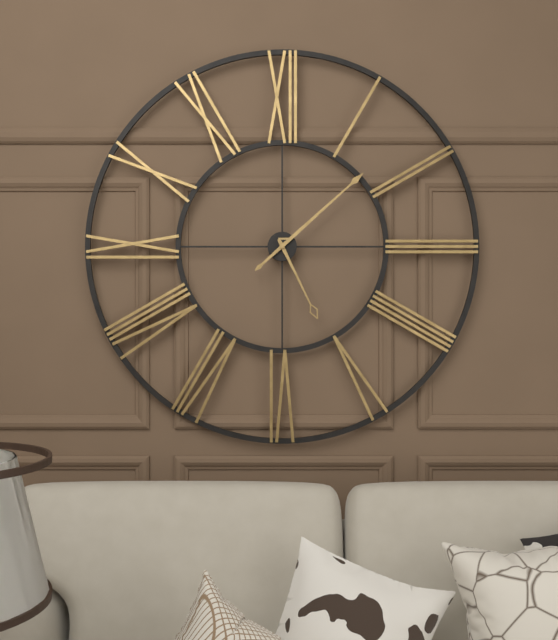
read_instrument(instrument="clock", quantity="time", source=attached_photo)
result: 5:08
